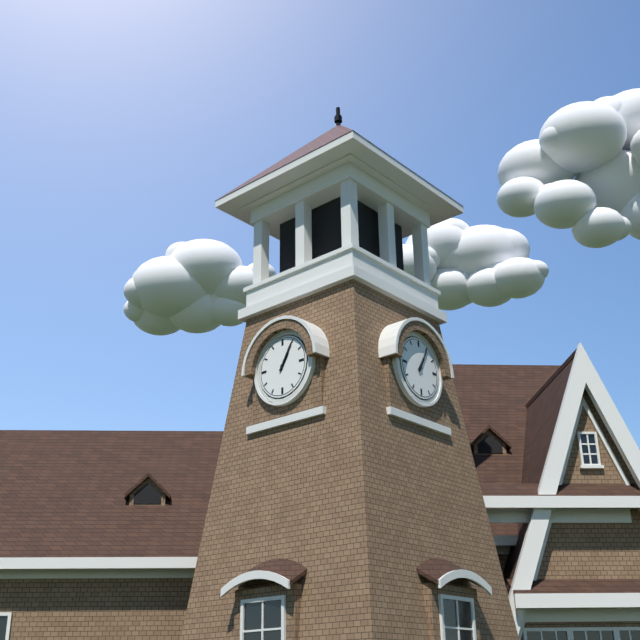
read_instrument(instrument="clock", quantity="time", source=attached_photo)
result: 1:05
